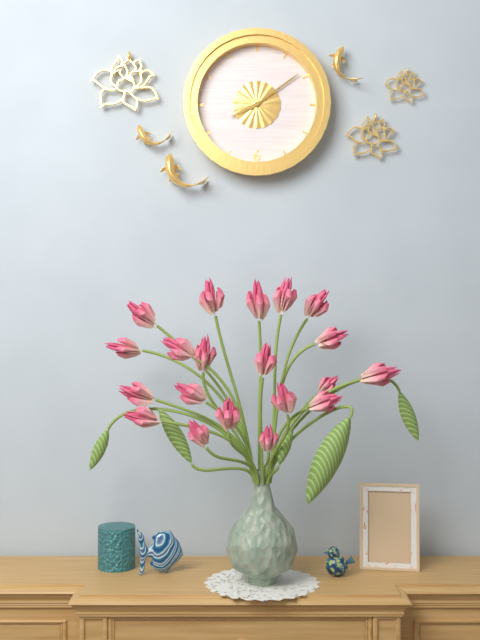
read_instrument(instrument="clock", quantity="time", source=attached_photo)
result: 8:09
